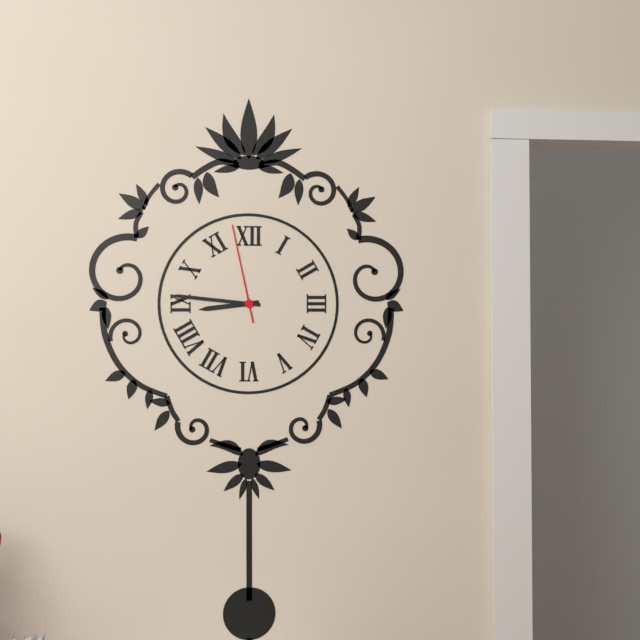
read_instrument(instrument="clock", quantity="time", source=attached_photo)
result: 8:46:58
